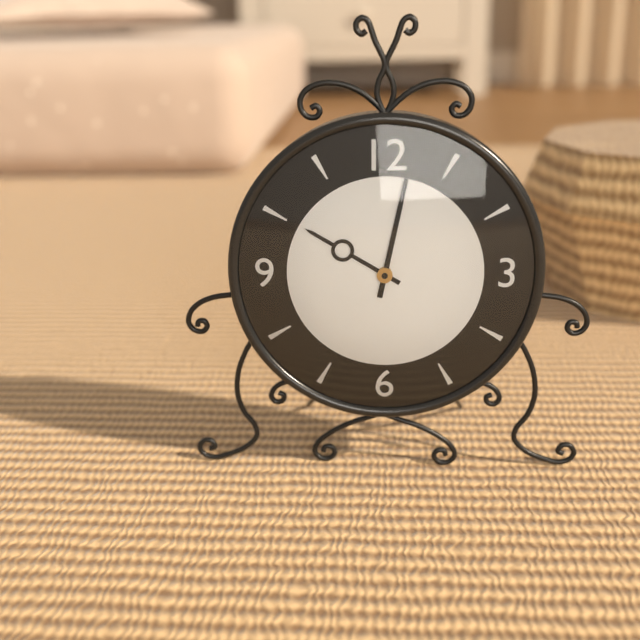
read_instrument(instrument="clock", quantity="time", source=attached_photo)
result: 10:02
